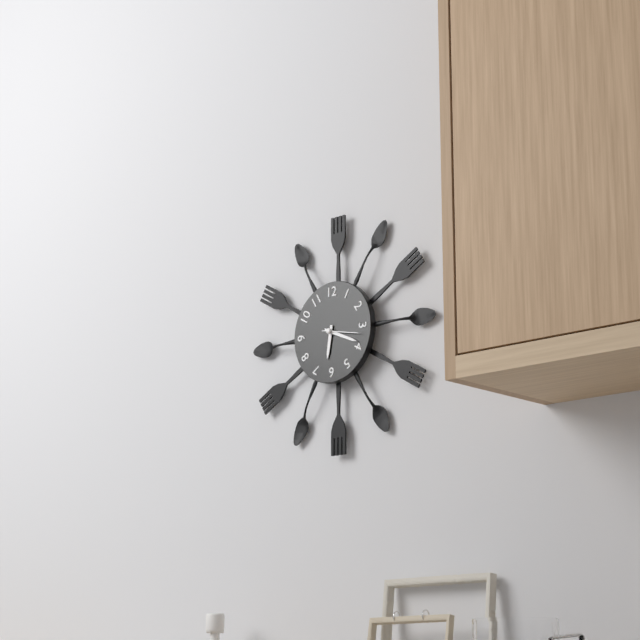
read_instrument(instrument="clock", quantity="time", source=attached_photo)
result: 6:19
